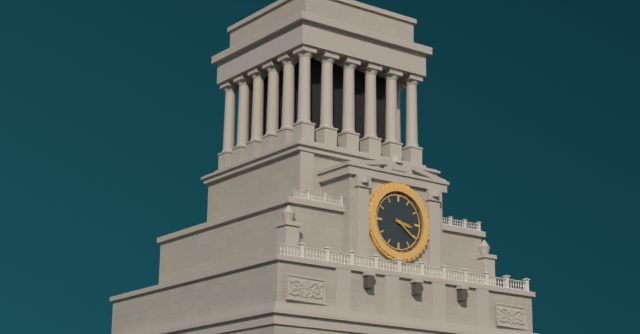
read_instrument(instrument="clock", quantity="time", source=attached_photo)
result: 3:21
